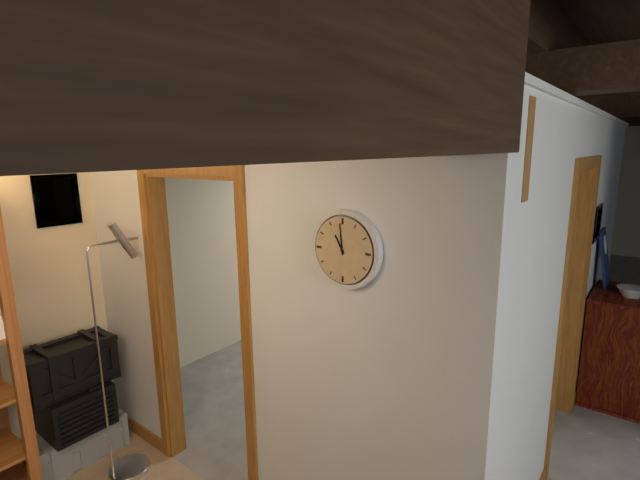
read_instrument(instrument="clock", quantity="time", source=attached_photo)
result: 10:59
